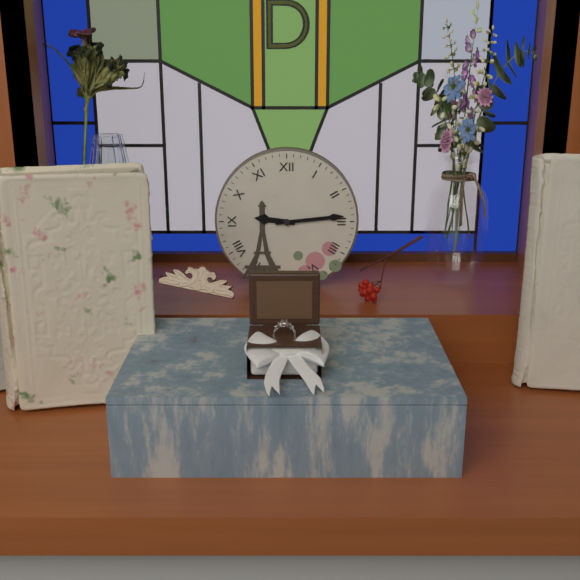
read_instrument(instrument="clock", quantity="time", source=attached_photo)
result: 9:14
